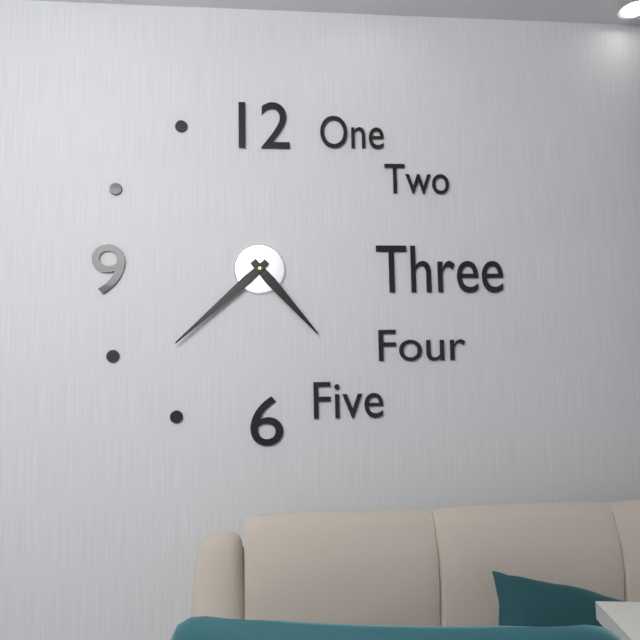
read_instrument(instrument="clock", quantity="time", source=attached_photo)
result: 4:38
